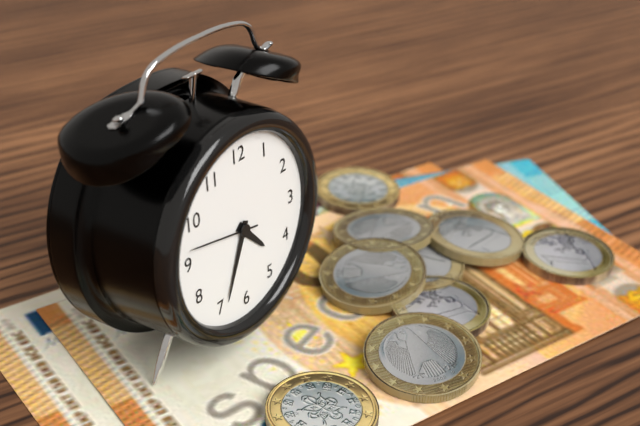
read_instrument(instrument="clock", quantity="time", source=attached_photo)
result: 4:34:47
